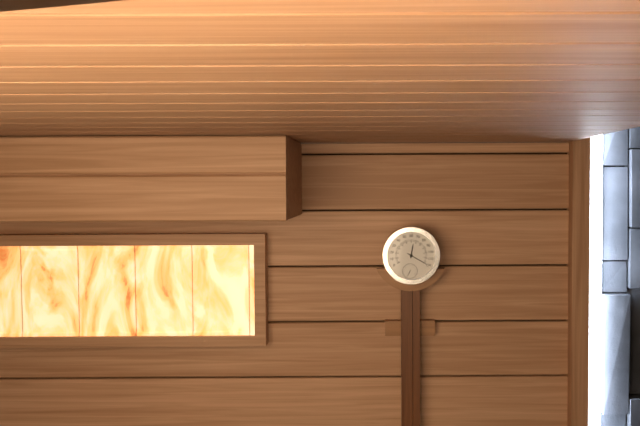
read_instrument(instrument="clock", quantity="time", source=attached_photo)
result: 12:20
